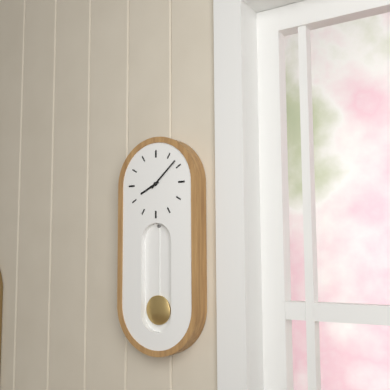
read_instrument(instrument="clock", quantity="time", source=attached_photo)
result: 8:08
